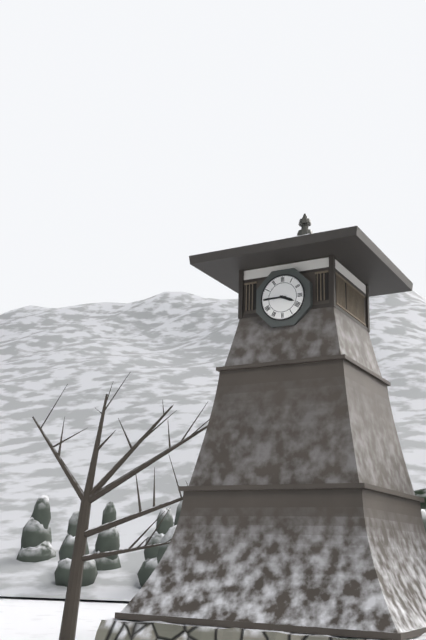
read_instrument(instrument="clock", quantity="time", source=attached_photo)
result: 3:45
